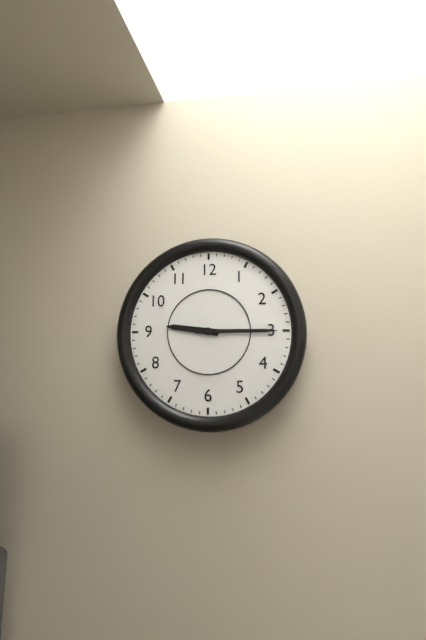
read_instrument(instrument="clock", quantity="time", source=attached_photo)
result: 9:15
